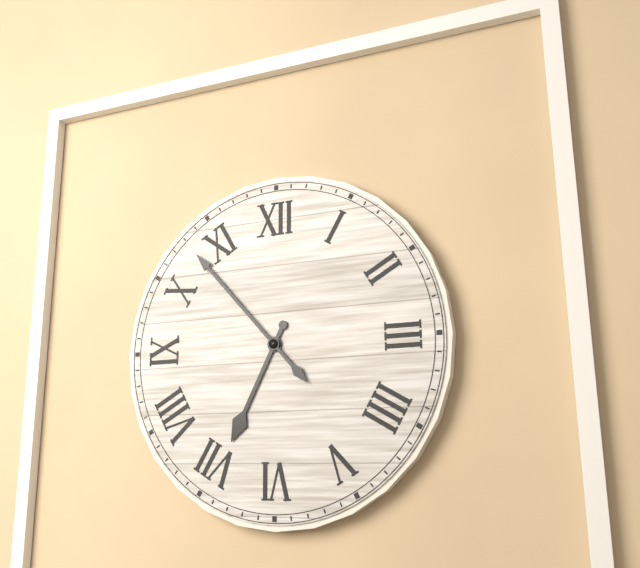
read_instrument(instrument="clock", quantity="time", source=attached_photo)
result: 6:53
